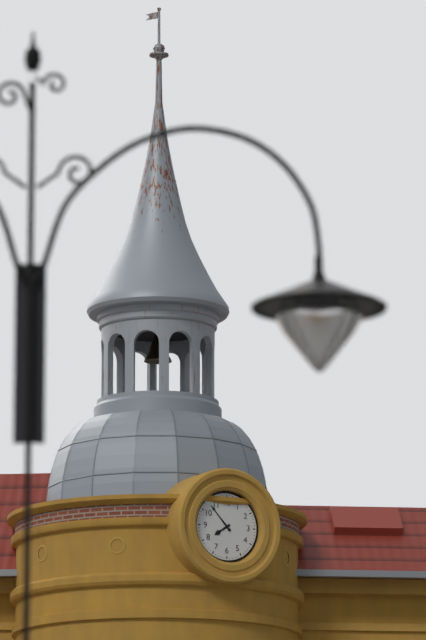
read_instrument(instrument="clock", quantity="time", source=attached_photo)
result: 7:53
